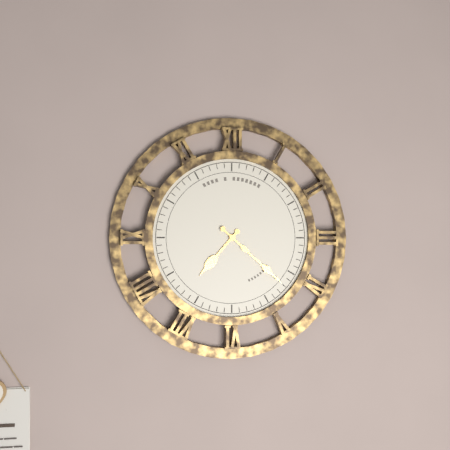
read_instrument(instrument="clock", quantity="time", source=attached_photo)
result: 7:22
